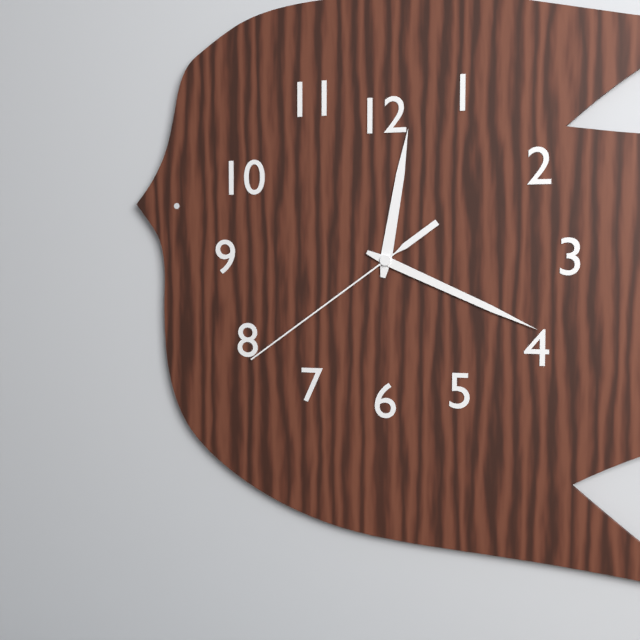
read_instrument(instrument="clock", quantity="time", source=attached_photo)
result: 12:19:39
